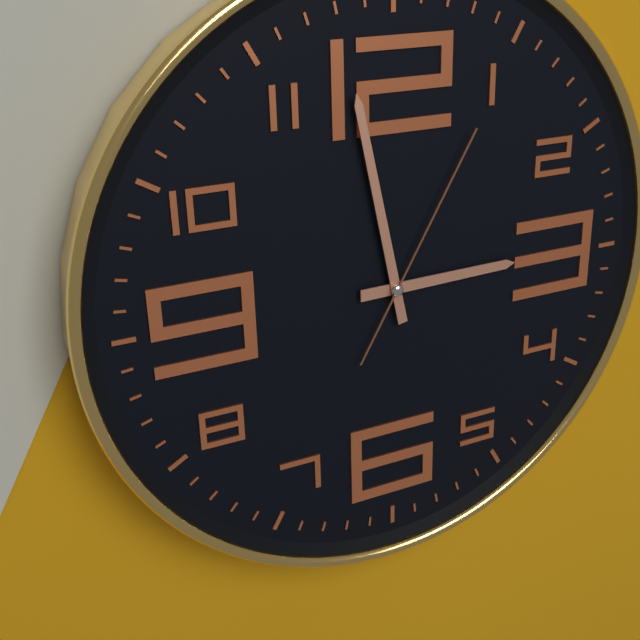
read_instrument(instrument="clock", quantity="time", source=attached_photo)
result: 2:58:05
